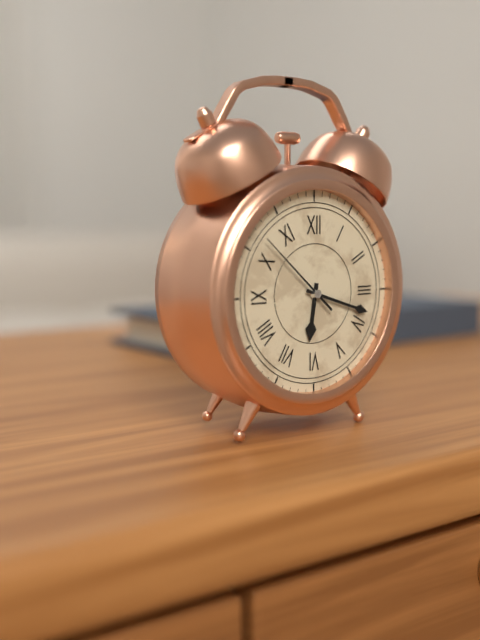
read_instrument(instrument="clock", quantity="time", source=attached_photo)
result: 6:18:52
